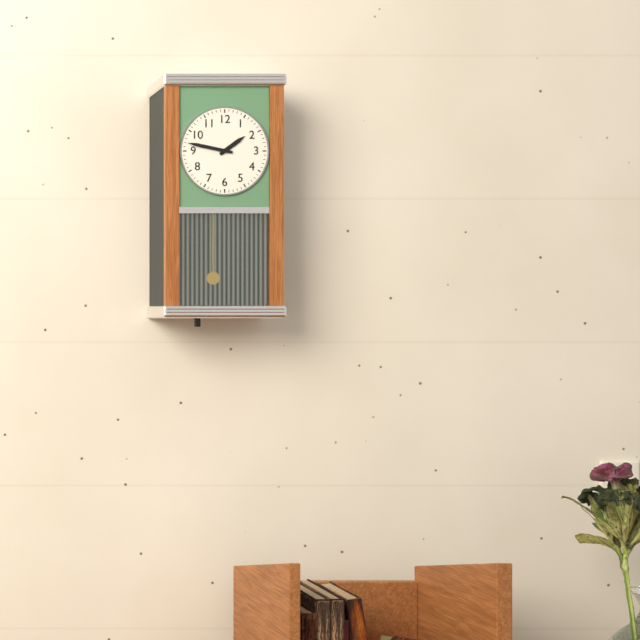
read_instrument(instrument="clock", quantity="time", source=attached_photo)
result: 1:47
